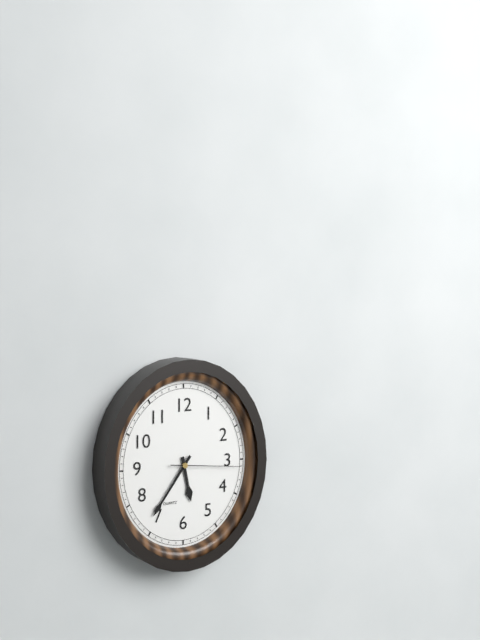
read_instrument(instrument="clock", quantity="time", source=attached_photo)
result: 5:36:16
